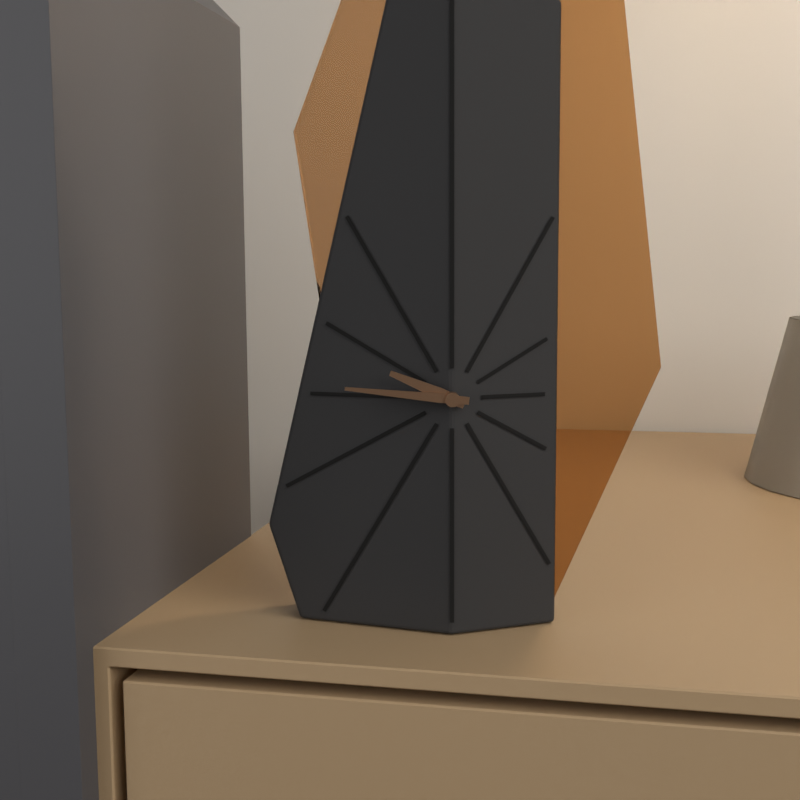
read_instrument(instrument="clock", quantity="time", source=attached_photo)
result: 9:46
